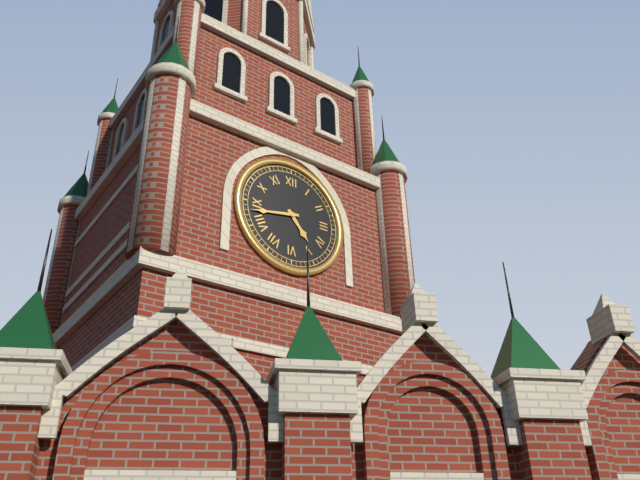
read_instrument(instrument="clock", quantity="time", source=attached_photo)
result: 4:43
